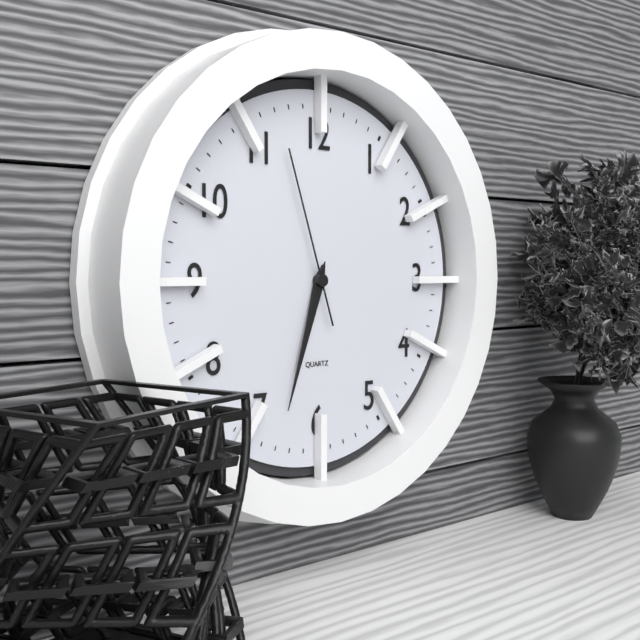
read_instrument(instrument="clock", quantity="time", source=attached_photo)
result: 6:33:57
